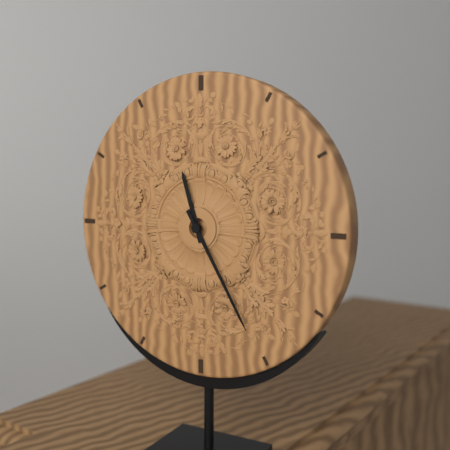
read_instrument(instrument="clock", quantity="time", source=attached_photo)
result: 11:25
